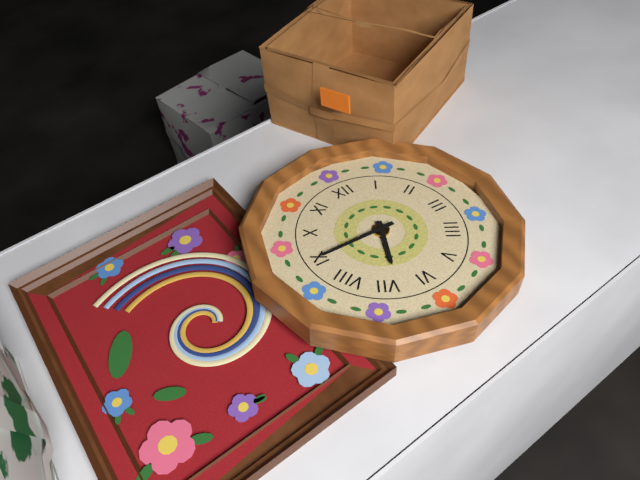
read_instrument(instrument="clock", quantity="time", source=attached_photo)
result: 6:45
